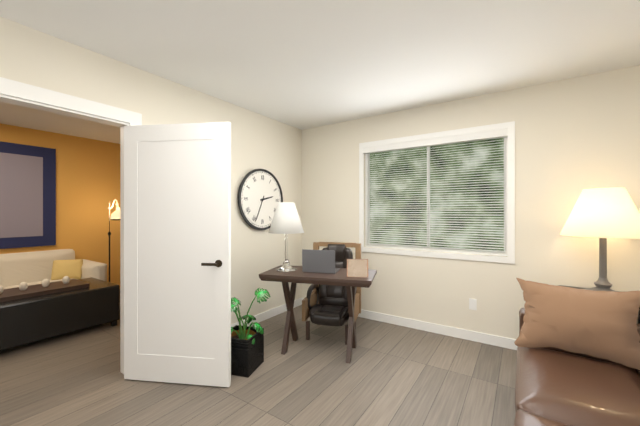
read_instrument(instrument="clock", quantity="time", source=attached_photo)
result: 2:34
